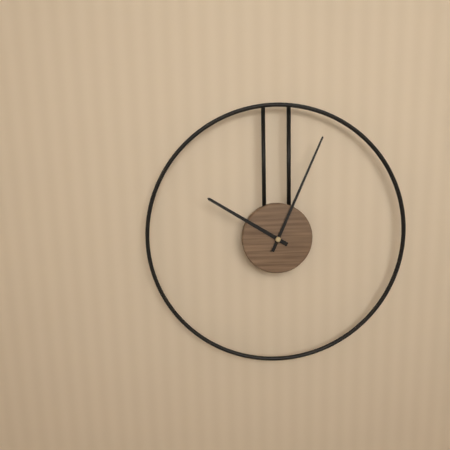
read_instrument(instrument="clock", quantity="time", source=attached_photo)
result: 10:04
